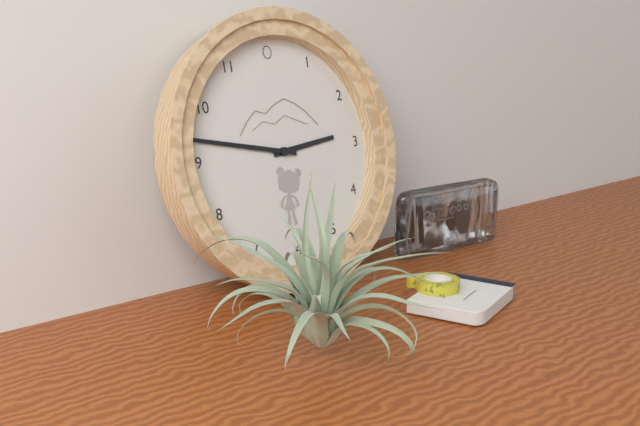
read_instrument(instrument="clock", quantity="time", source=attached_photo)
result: 2:47
